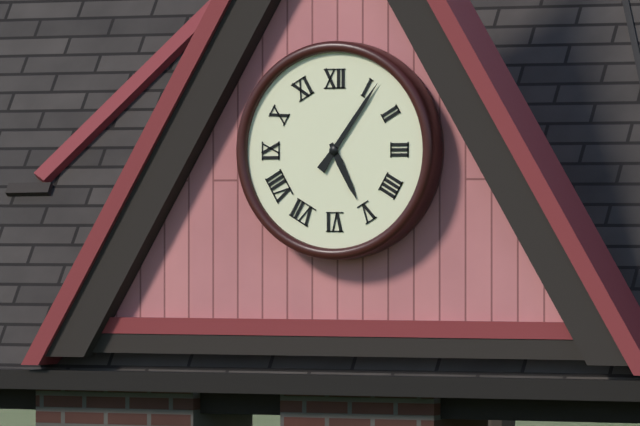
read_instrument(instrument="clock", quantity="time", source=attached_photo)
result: 5:06
